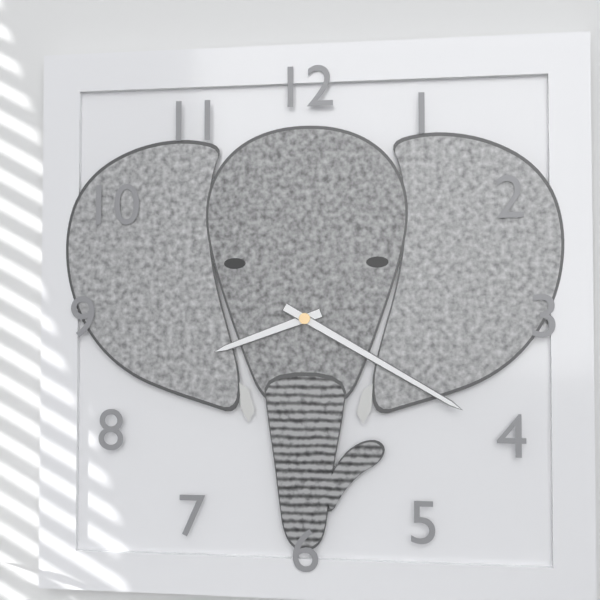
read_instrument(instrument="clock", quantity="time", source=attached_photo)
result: 8:20
